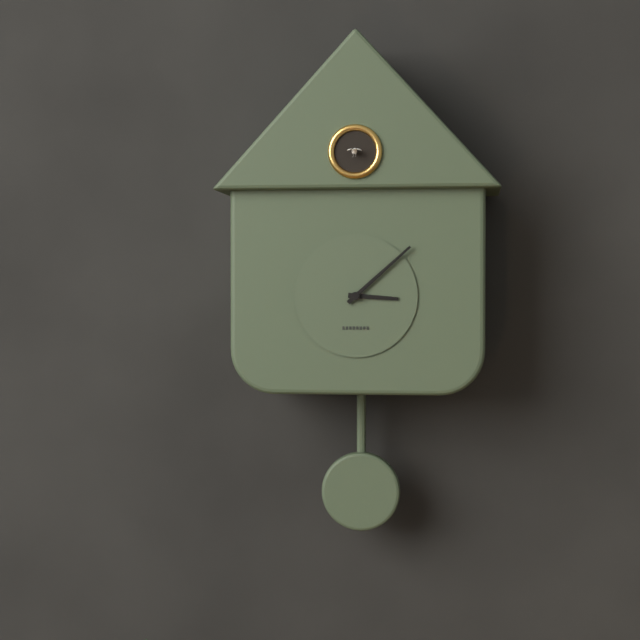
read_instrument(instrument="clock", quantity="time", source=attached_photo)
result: 3:08
